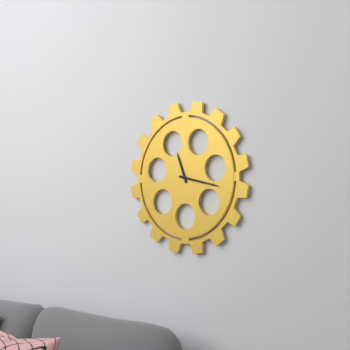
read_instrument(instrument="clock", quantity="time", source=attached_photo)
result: 11:17
